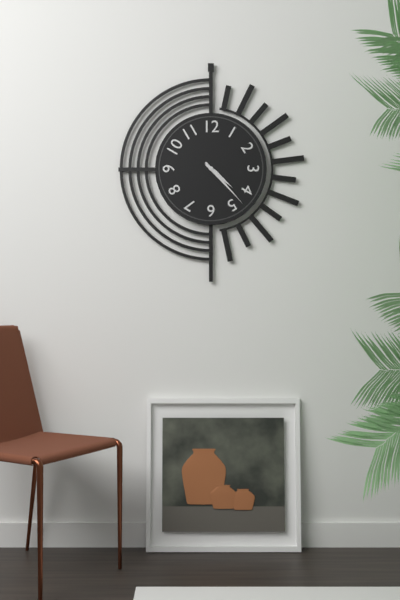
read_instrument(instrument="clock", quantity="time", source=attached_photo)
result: 4:23
